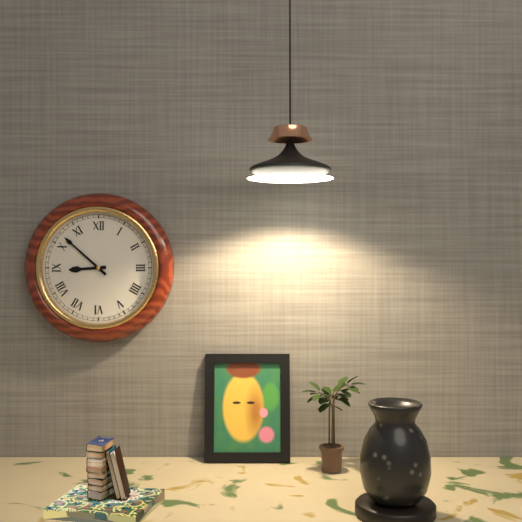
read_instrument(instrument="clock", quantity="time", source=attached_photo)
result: 8:52
